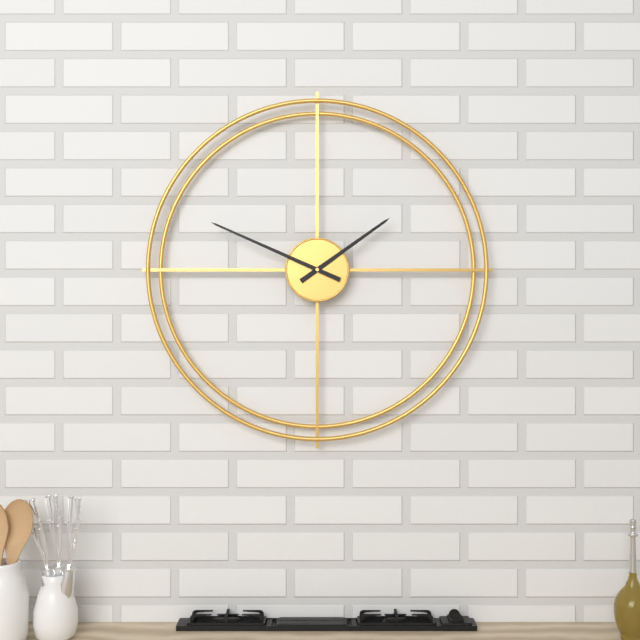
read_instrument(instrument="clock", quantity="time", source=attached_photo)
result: 1:49
